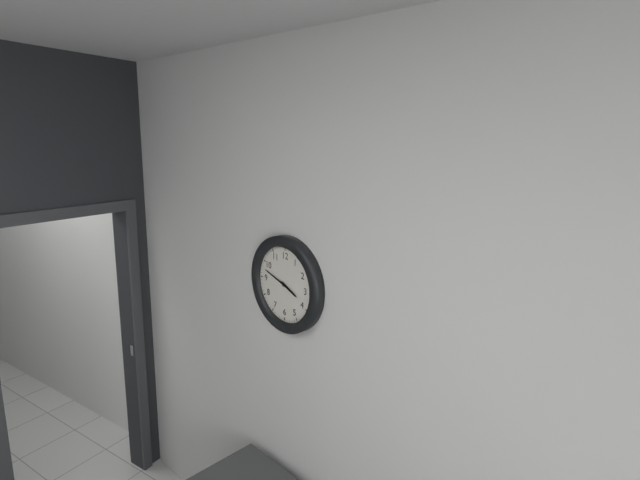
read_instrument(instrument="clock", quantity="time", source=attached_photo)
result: 3:48
